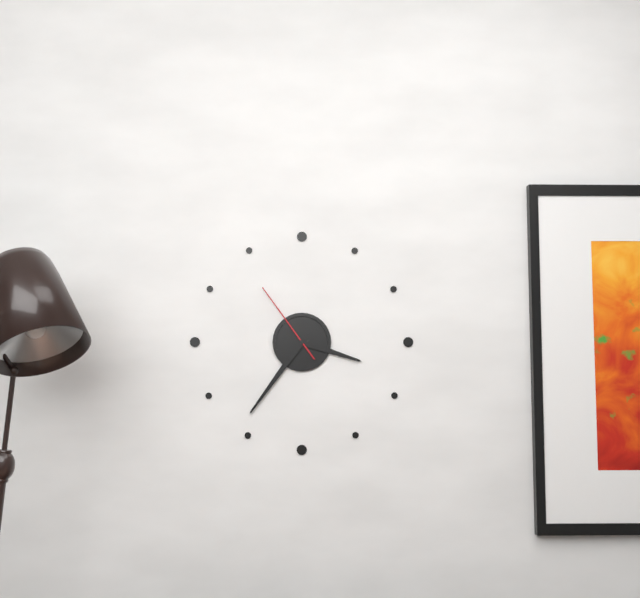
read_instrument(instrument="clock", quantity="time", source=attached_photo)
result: 3:36:54
